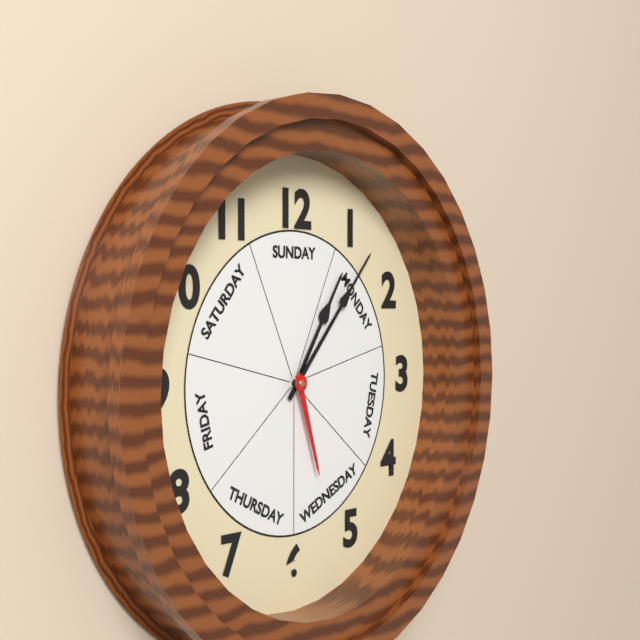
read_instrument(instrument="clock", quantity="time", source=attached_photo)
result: 1:07:27
